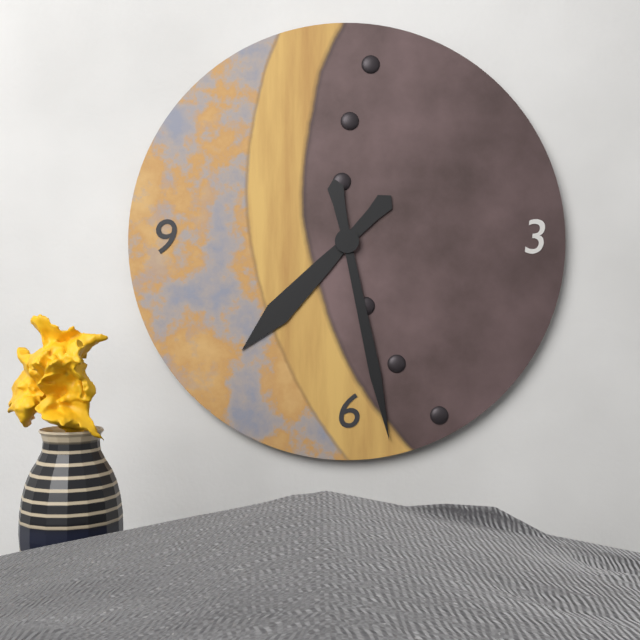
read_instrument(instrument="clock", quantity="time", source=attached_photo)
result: 7:28
